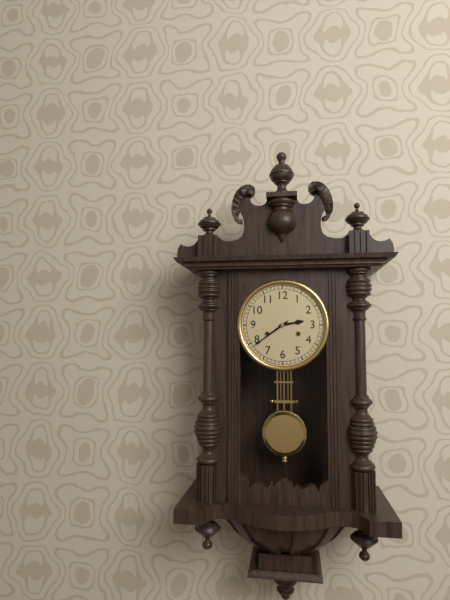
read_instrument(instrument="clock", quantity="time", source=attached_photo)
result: 2:39
